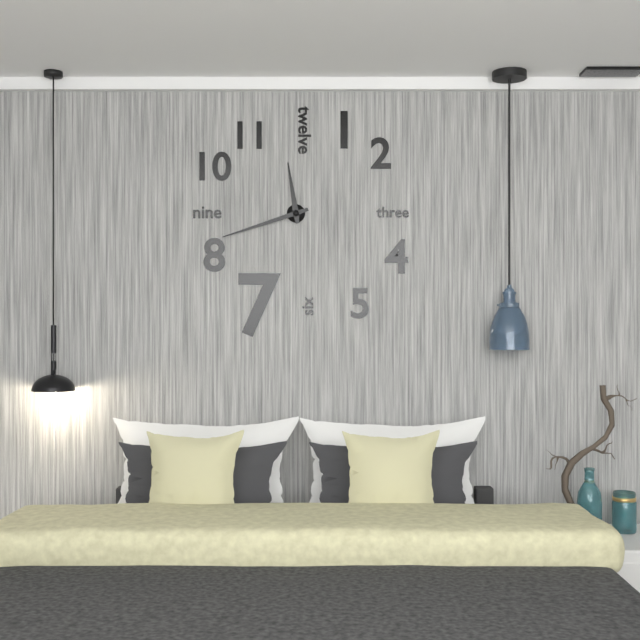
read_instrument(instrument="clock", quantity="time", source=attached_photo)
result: 11:42
